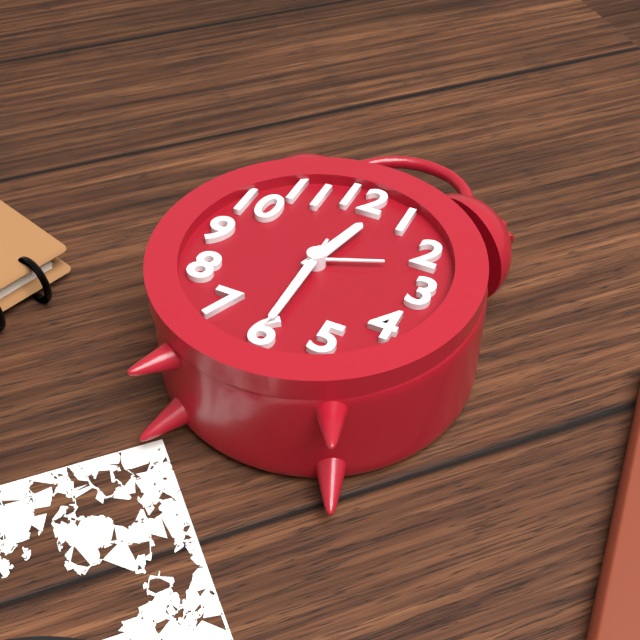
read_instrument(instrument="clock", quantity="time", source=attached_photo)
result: 12:30:30
